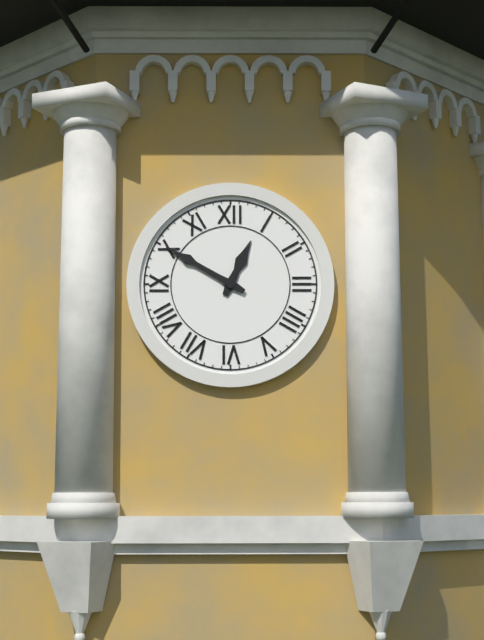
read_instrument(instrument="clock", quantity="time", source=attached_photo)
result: 12:50
